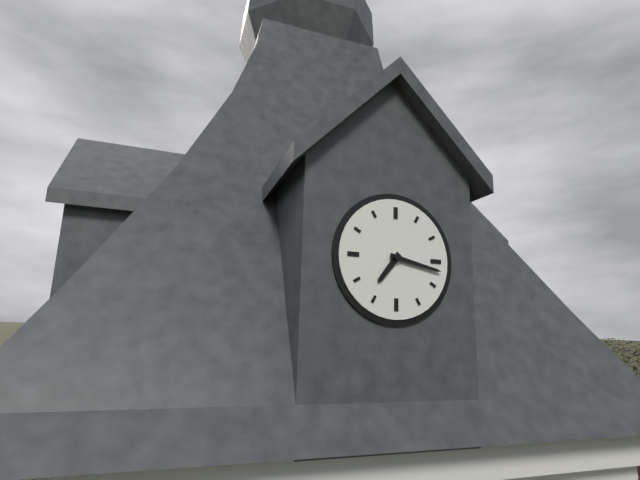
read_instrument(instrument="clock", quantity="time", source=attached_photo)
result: 7:17
